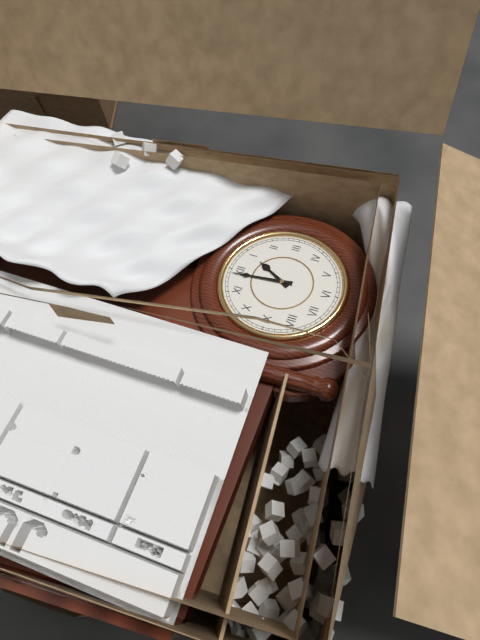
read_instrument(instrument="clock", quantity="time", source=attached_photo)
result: 12:59
